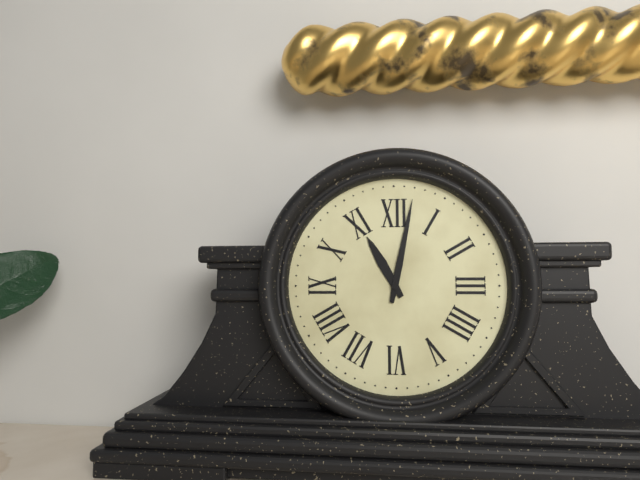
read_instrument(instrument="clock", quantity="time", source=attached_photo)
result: 11:02
